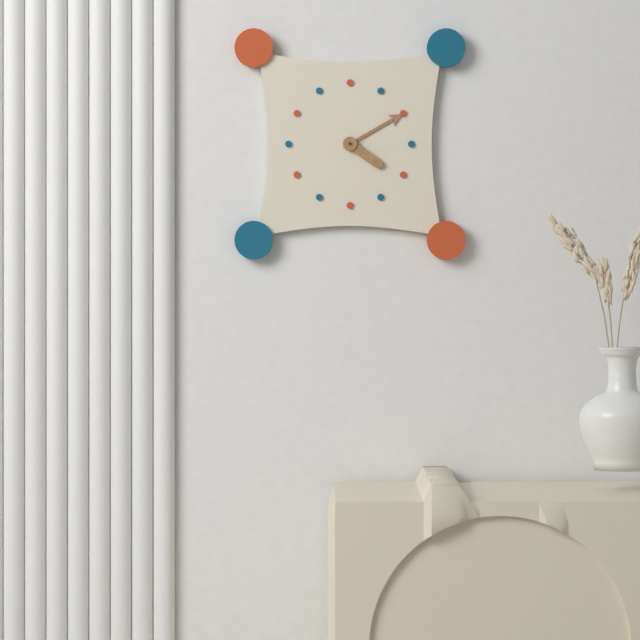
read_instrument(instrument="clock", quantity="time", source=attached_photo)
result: 4:10
